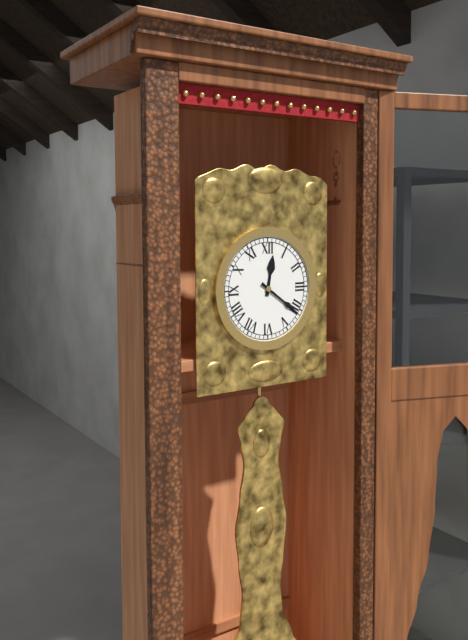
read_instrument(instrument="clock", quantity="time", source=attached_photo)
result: 12:21
